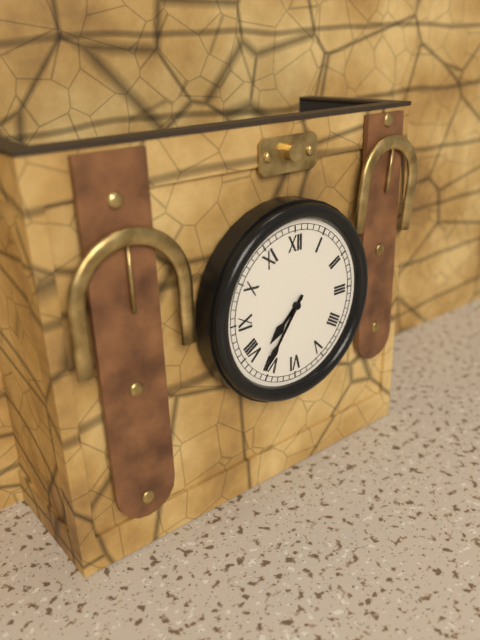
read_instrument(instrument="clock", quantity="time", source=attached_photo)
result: 7:36
